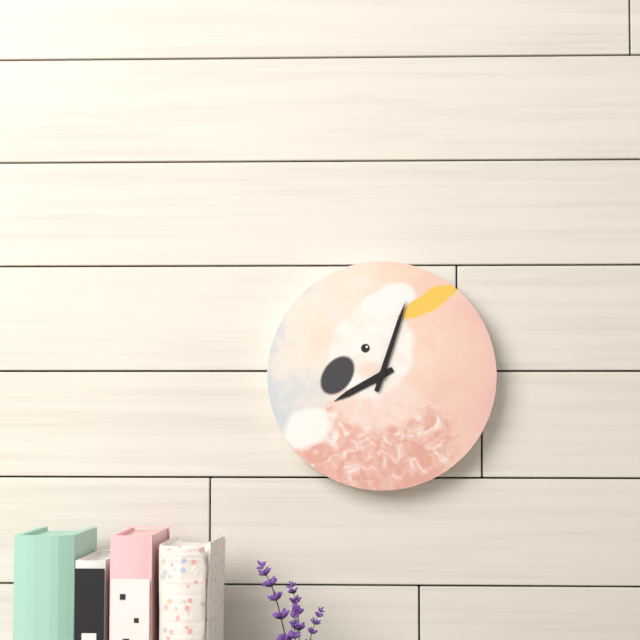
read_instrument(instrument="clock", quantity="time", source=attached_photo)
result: 8:03
